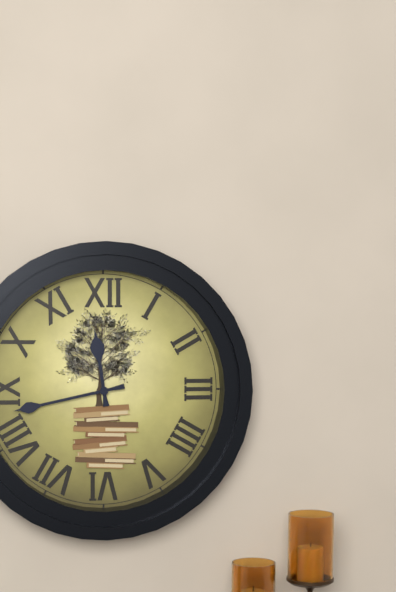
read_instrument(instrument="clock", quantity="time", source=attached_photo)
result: 11:43
